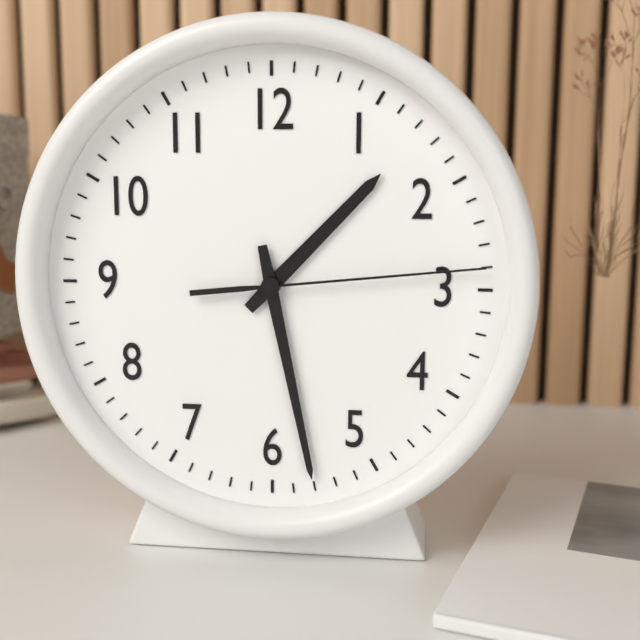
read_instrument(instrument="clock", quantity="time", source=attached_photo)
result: 1:28:14
